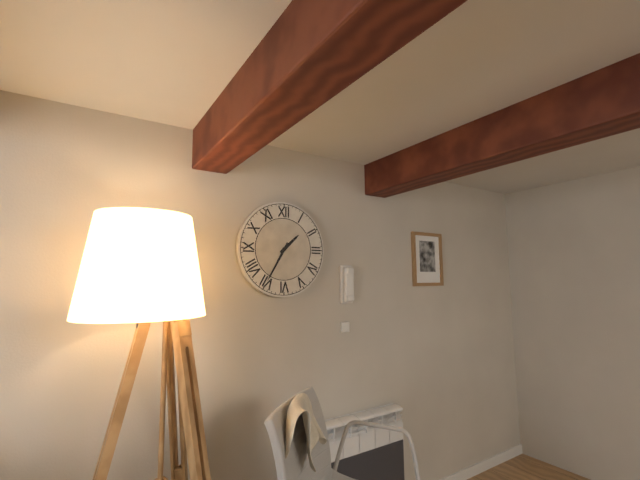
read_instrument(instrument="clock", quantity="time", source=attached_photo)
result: 1:35
